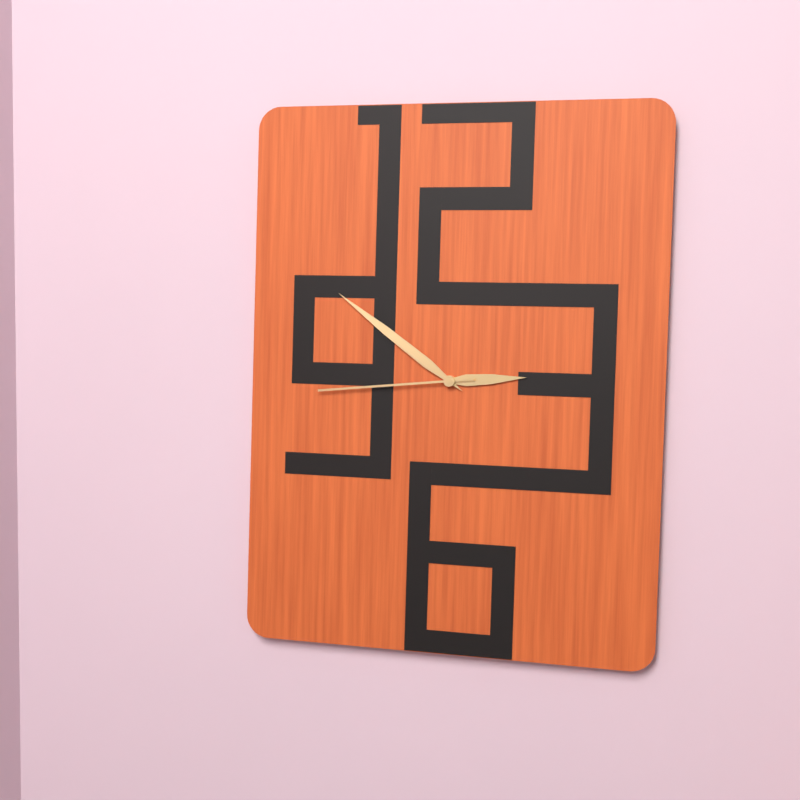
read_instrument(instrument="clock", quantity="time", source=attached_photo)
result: 2:51:44
